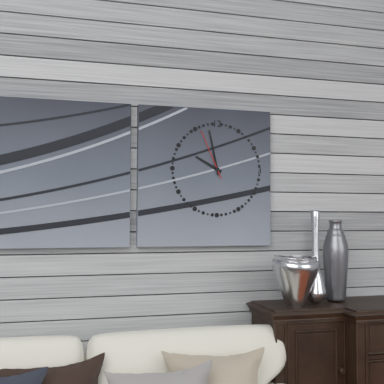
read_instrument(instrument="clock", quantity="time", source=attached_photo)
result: 9:58:56
